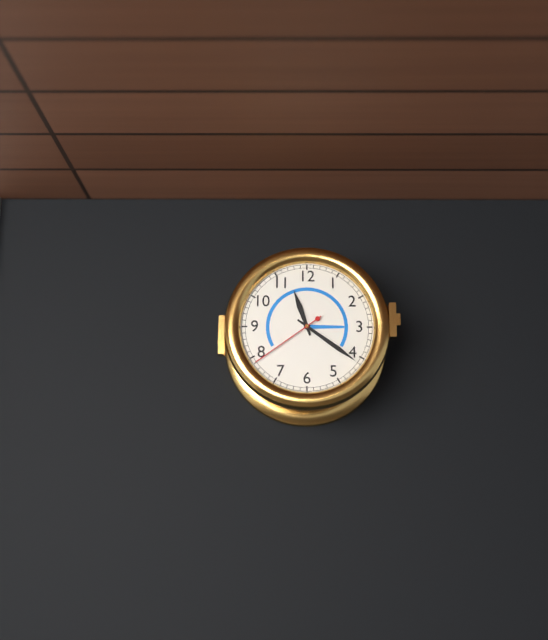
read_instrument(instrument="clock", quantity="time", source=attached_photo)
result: 11:21:39
